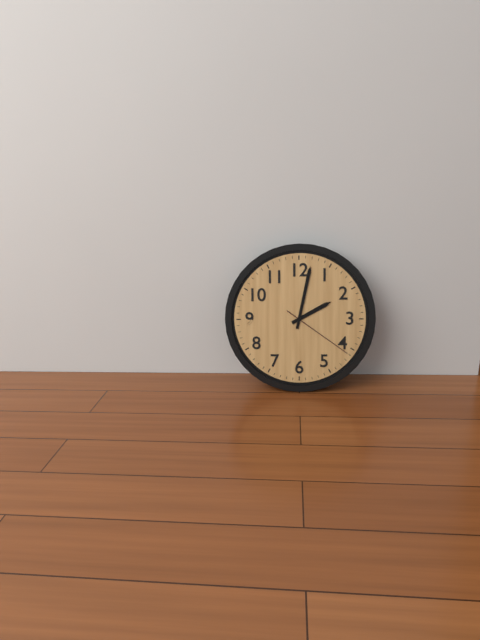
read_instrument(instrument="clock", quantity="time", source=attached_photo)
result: 2:02:21
